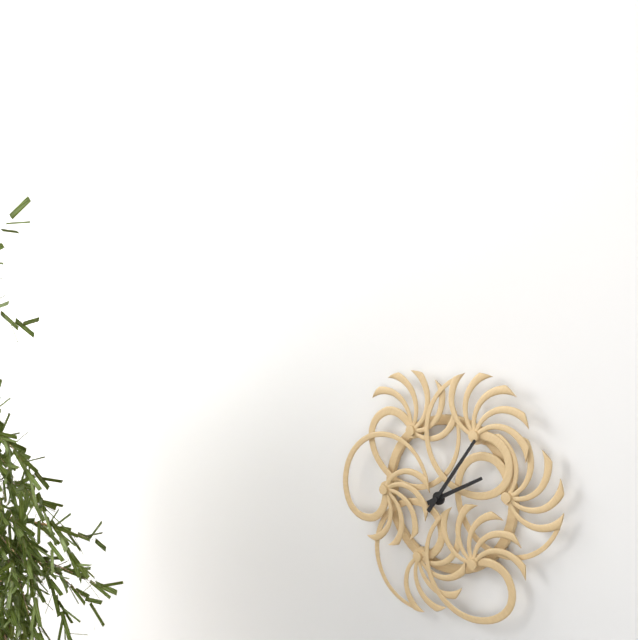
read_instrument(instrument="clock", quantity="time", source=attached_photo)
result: 2:06
